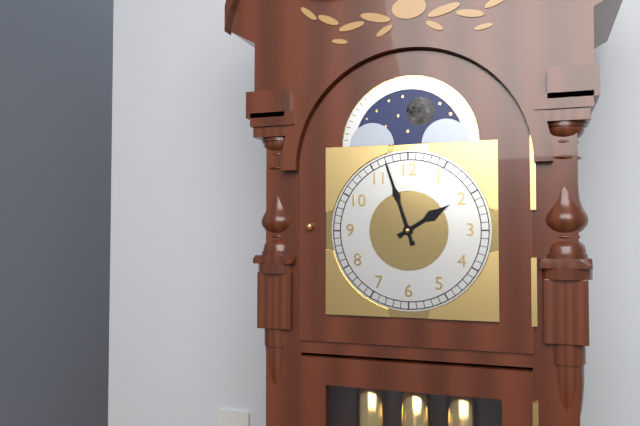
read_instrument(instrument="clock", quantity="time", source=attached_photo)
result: 1:57
